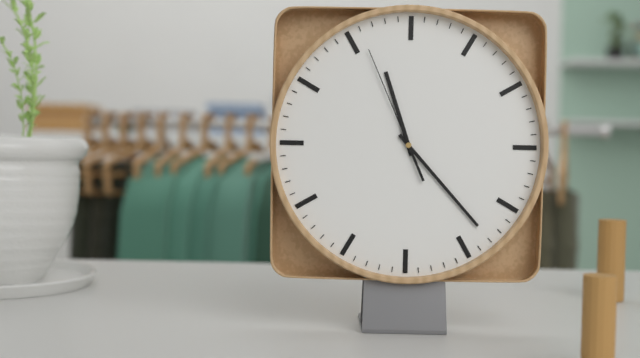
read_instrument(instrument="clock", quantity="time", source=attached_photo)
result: 11:23:56
